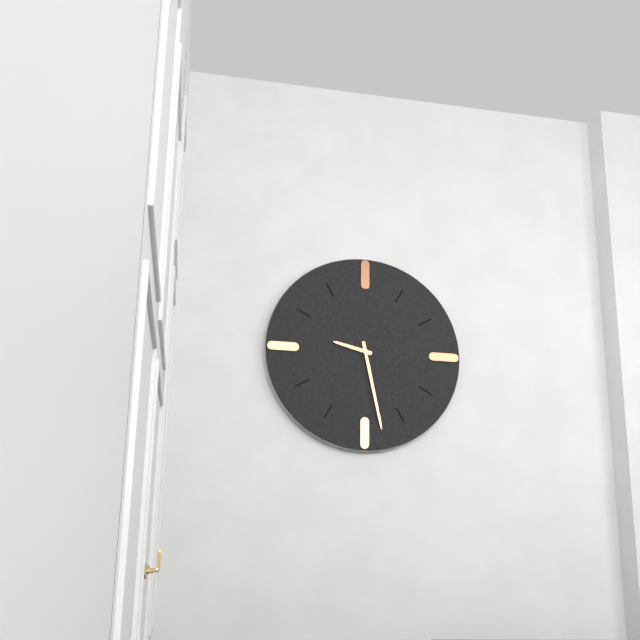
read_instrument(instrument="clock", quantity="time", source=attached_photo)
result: 9:28
